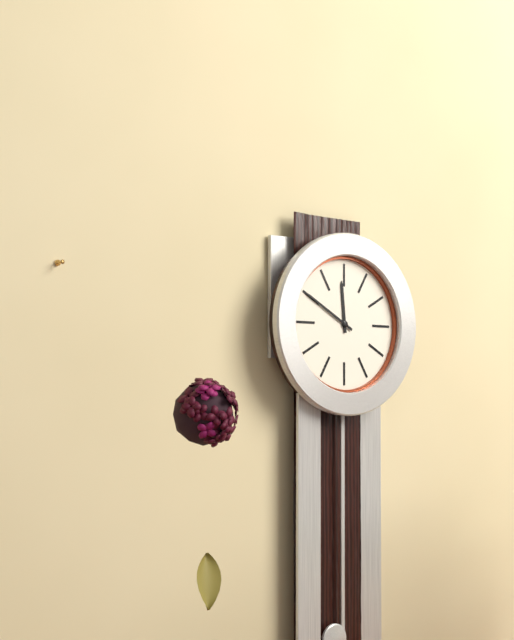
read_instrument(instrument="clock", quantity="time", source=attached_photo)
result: 11:50
